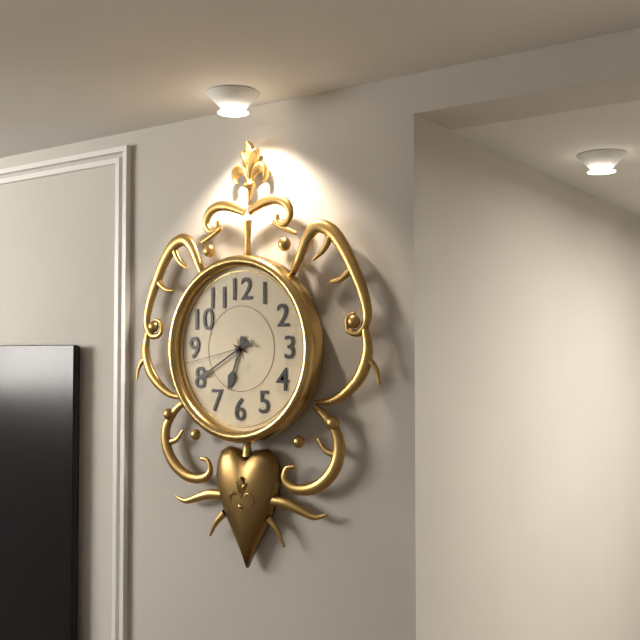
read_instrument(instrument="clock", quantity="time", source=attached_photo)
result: 6:40:43
